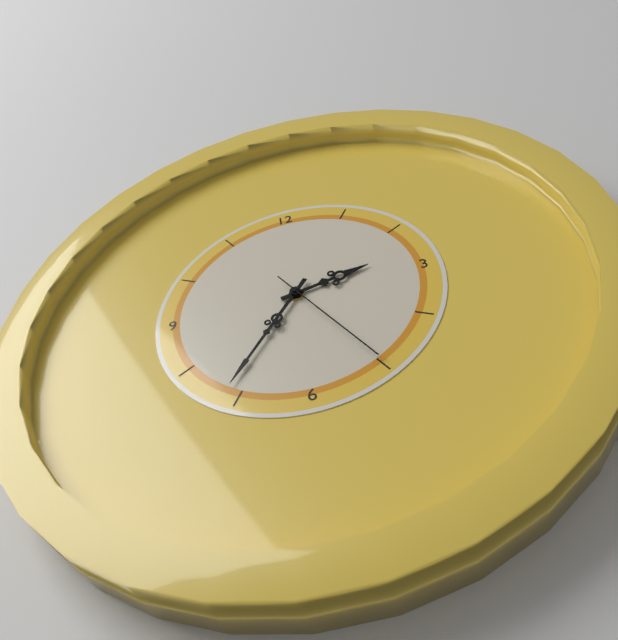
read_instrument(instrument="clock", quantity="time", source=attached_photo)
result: 2:36:25
